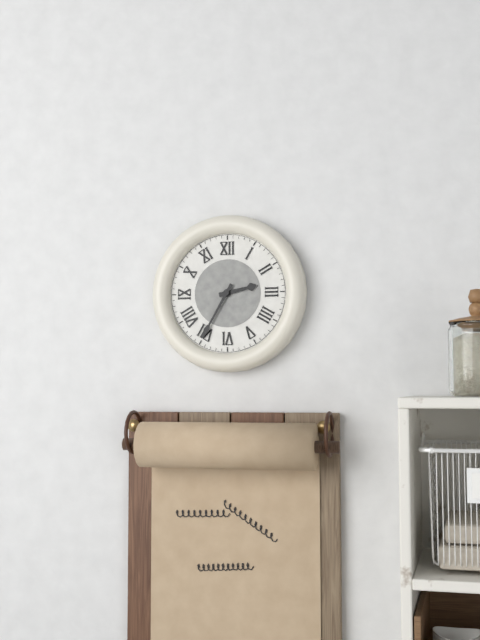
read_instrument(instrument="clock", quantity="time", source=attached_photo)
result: 2:35
